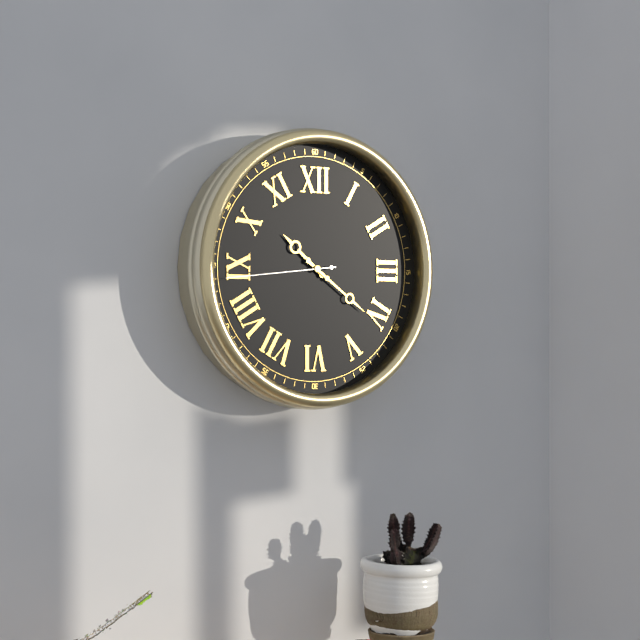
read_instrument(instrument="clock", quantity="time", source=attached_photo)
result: 10:21:44
